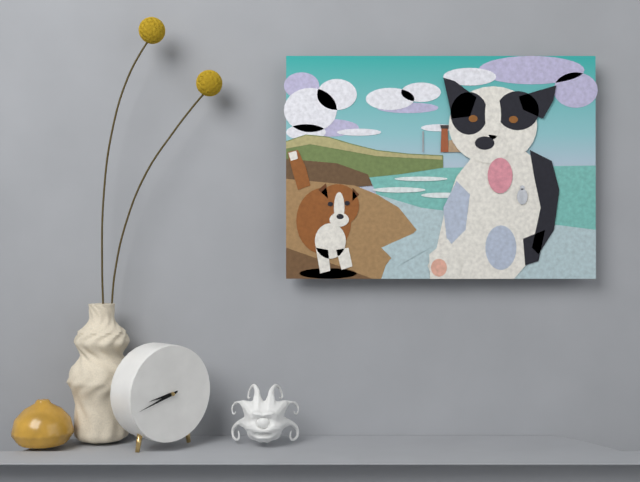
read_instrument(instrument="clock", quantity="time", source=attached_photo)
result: 8:42
